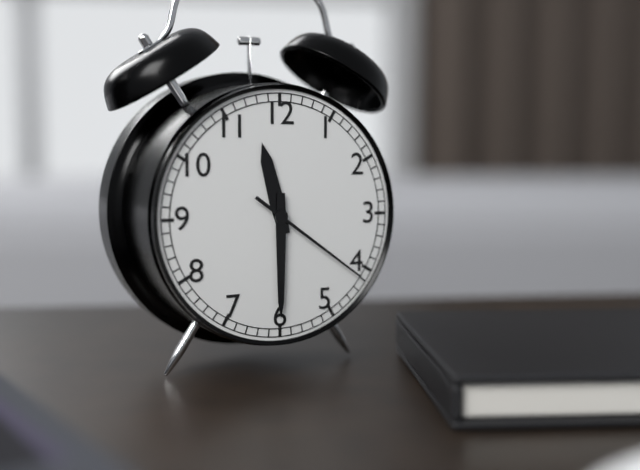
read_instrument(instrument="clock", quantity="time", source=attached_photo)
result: 11:30:21
